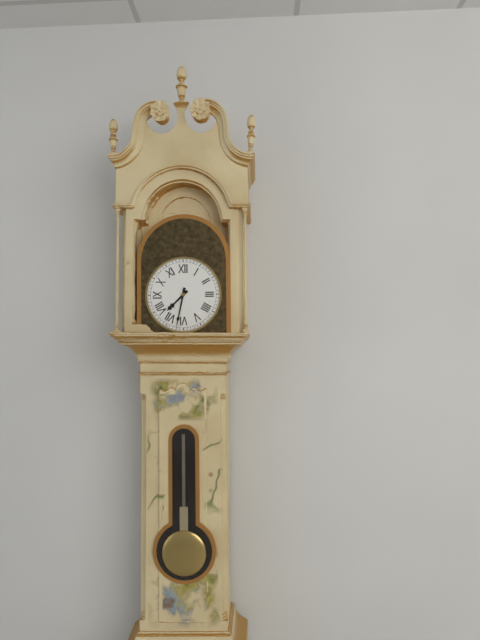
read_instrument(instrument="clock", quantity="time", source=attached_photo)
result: 7:32
